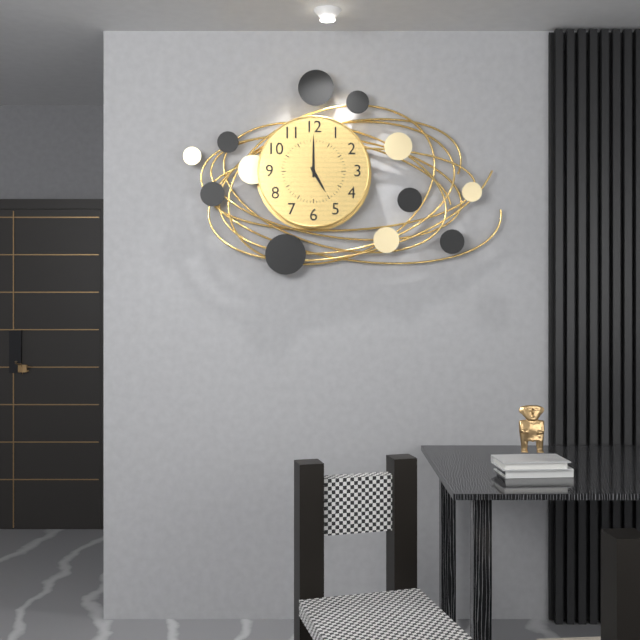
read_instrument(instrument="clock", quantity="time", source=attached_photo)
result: 5:00
